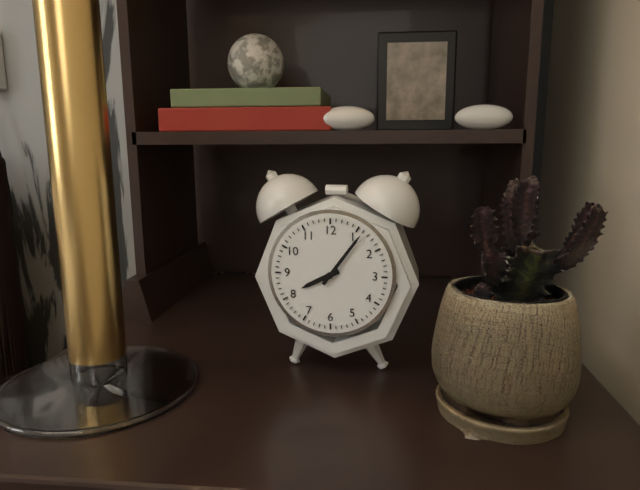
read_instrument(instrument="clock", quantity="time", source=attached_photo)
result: 8:06
